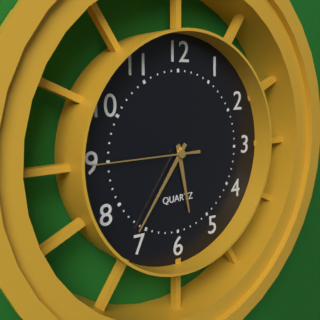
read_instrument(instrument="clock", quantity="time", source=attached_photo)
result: 5:36:45
